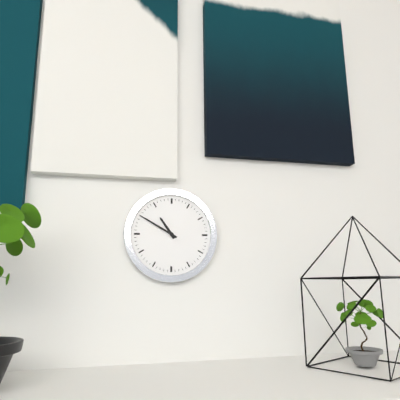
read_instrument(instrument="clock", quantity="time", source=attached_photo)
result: 10:50
